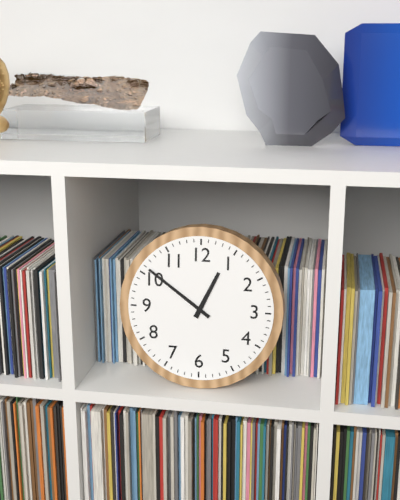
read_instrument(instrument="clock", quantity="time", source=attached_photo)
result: 12:51
